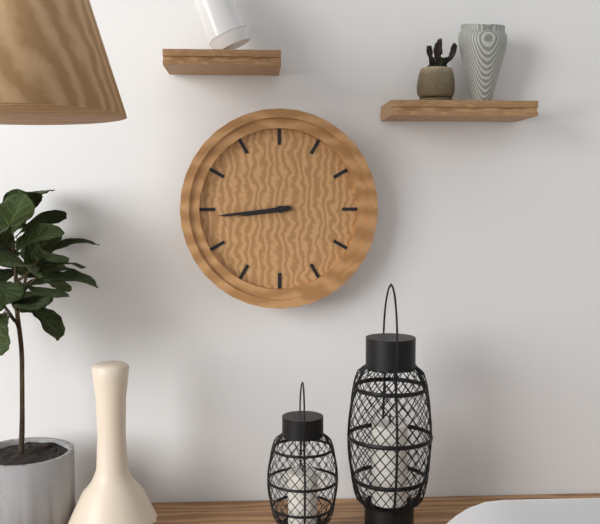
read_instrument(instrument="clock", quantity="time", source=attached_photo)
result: 8:44
